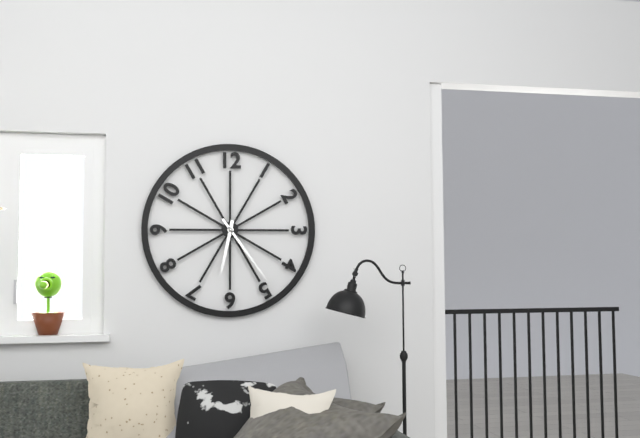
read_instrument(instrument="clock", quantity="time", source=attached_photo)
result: 6:24
